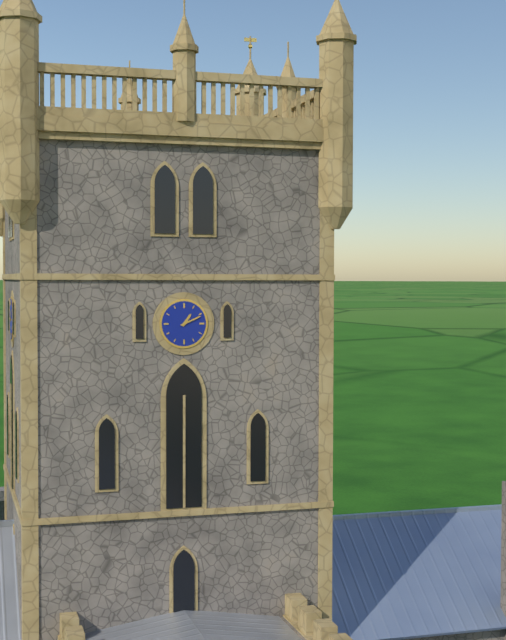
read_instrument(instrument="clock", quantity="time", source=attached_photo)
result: 1:11
